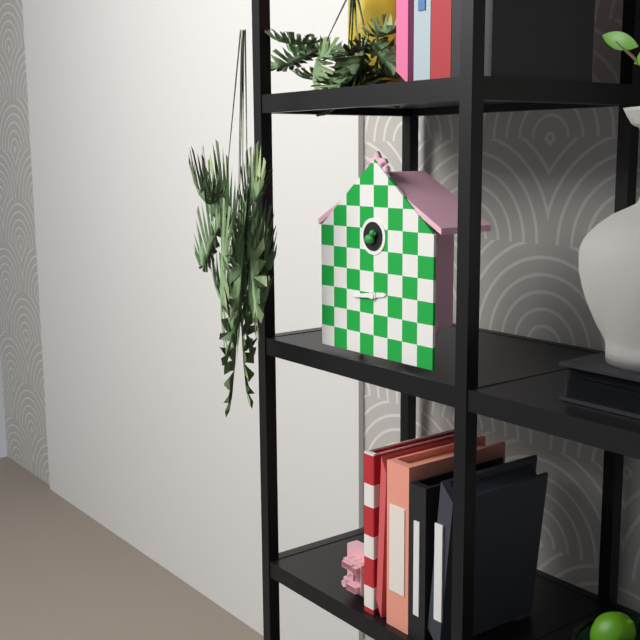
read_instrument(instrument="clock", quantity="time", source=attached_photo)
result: 2:44
